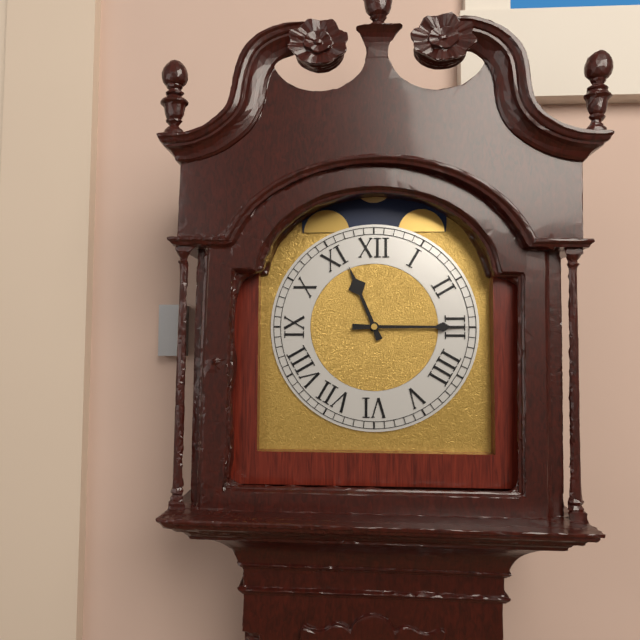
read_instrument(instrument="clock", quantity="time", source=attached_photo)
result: 11:15
